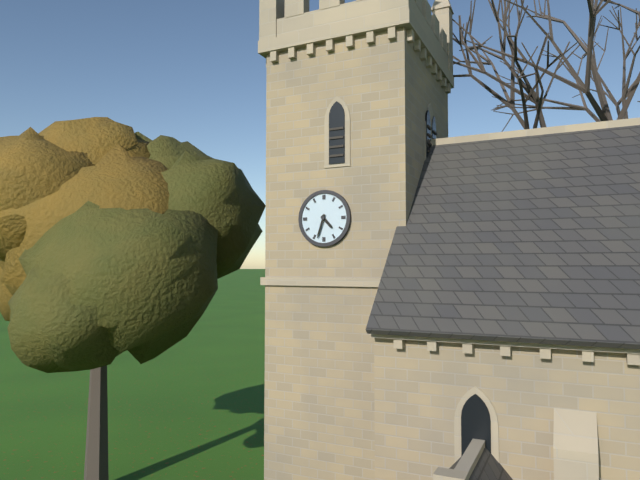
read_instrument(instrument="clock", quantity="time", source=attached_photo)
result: 4:33
